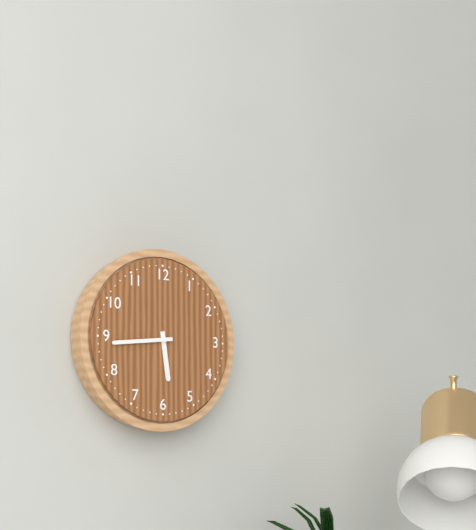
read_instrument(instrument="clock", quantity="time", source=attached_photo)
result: 5:44
